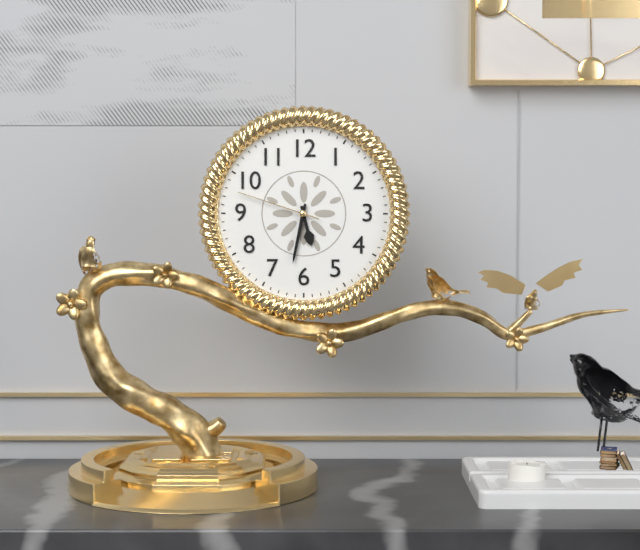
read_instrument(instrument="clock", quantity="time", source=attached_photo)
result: 5:32:48
